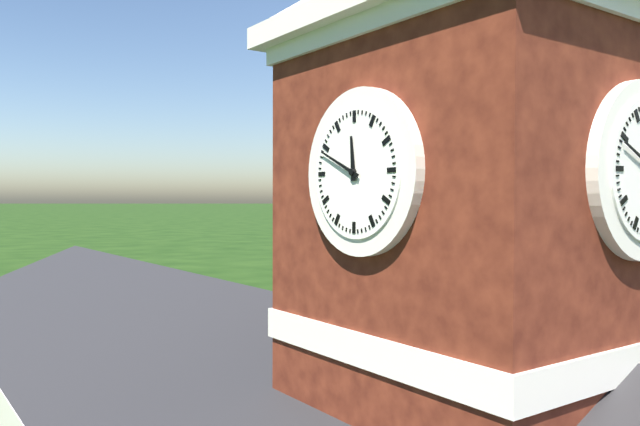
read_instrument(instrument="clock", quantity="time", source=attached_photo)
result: 11:49
